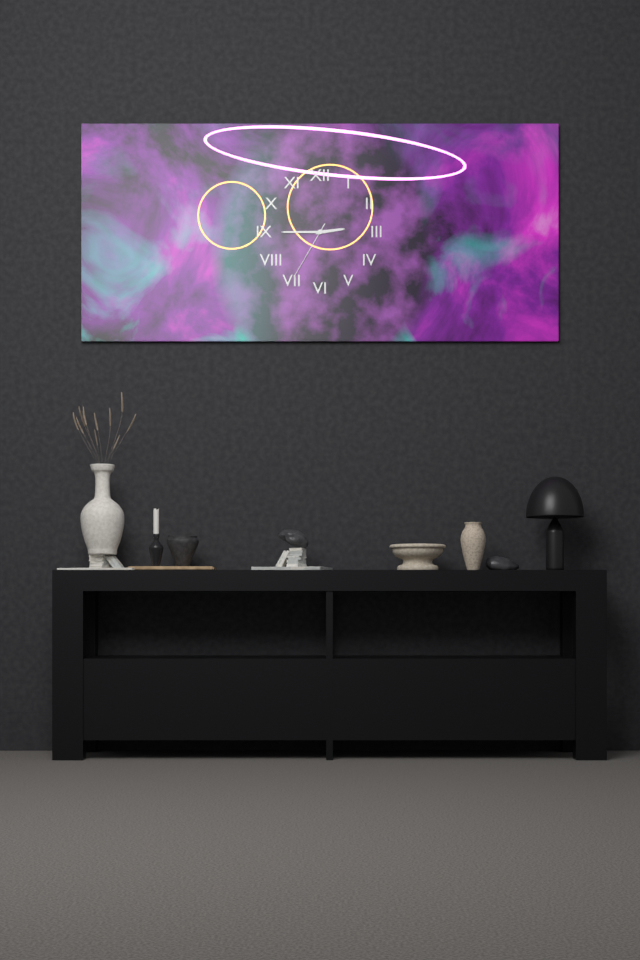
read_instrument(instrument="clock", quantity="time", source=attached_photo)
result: 2:45:35
